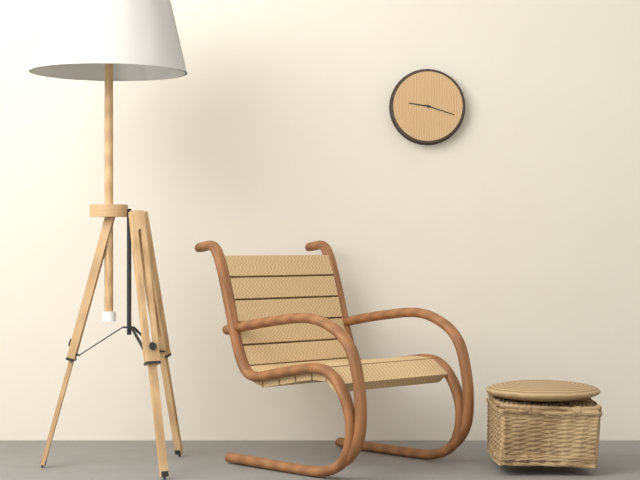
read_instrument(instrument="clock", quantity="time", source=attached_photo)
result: 9:18
